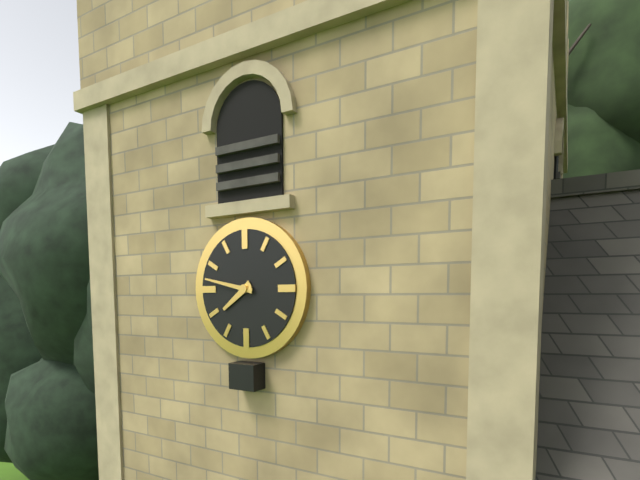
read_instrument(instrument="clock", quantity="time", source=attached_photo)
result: 7:47
